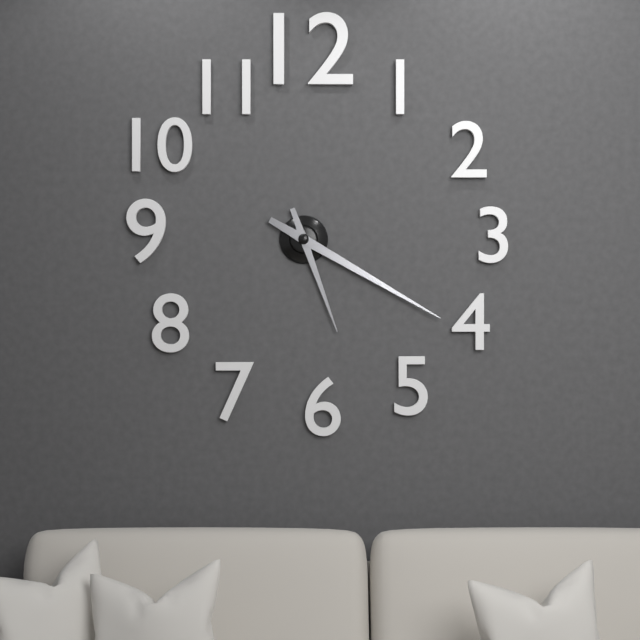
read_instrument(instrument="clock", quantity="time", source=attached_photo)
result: 5:20
